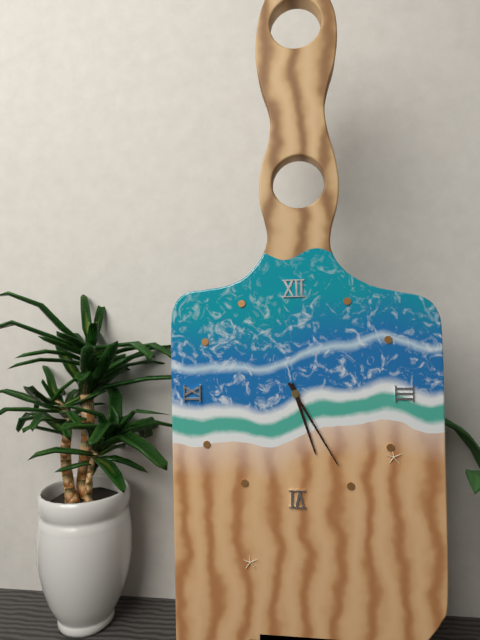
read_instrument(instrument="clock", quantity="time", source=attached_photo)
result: 5:25
